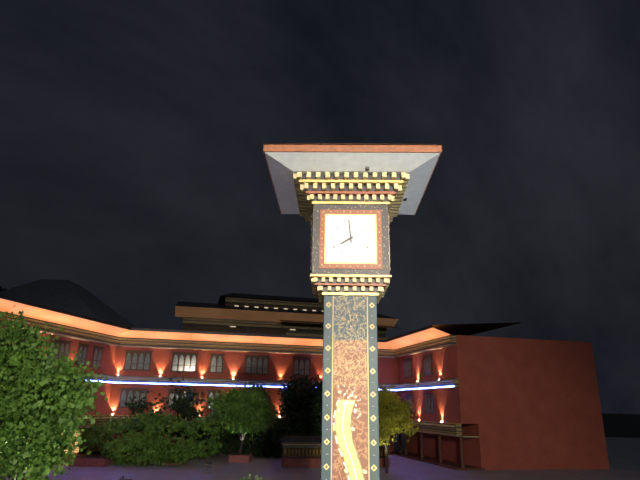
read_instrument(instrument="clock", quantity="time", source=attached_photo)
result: 7:59
